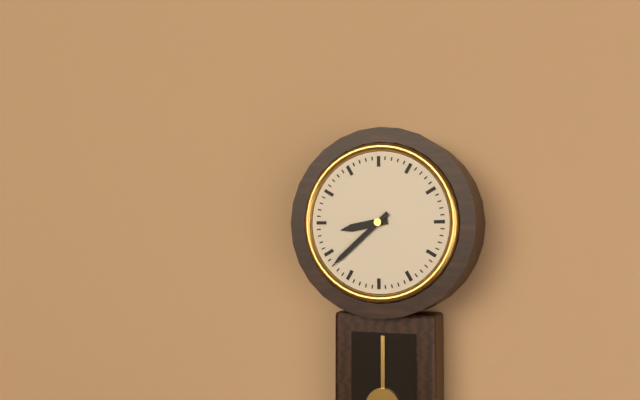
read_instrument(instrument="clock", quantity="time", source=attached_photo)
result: 8:38
